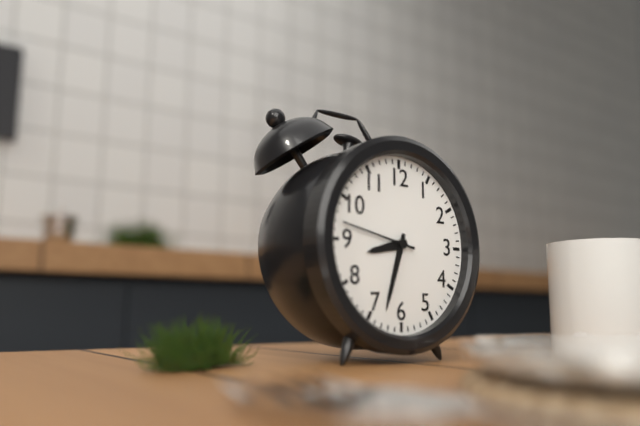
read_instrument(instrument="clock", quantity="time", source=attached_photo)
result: 8:33
